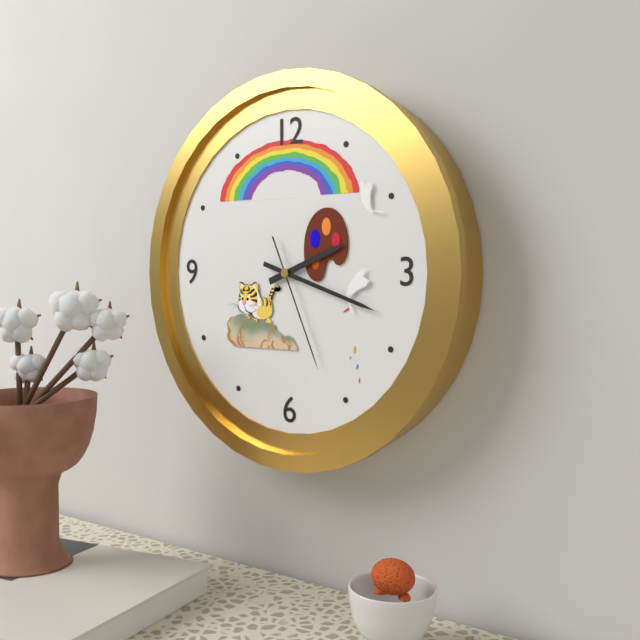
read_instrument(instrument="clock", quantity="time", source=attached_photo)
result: 2:18:26
